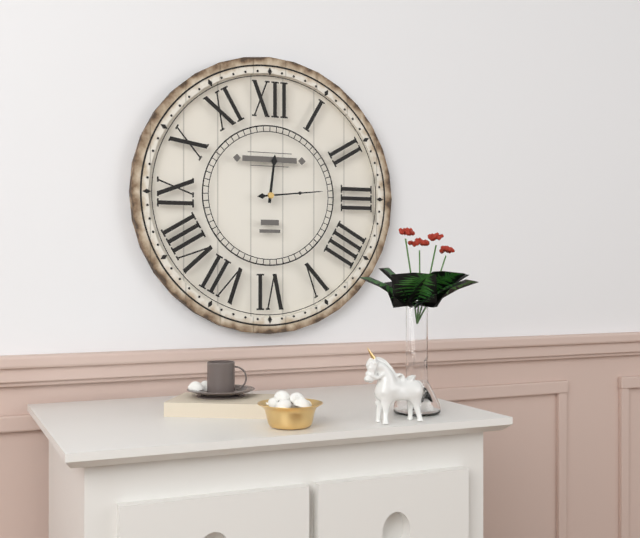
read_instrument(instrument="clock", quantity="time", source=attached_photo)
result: 12:14
